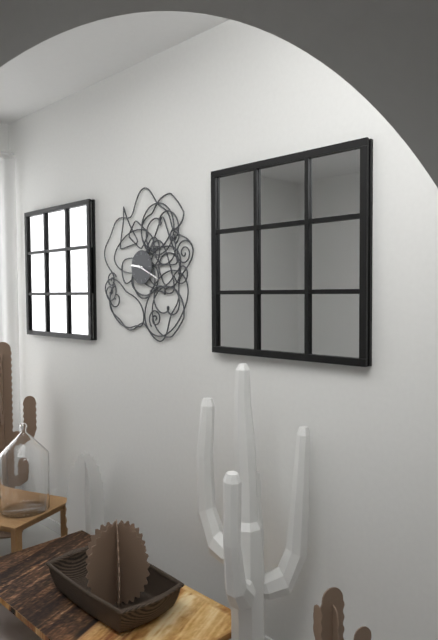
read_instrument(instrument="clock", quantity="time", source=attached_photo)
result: 9:19
